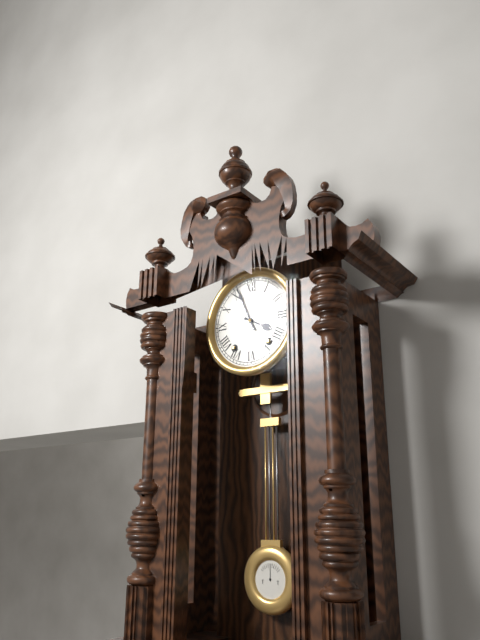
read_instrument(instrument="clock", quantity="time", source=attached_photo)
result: 3:56
